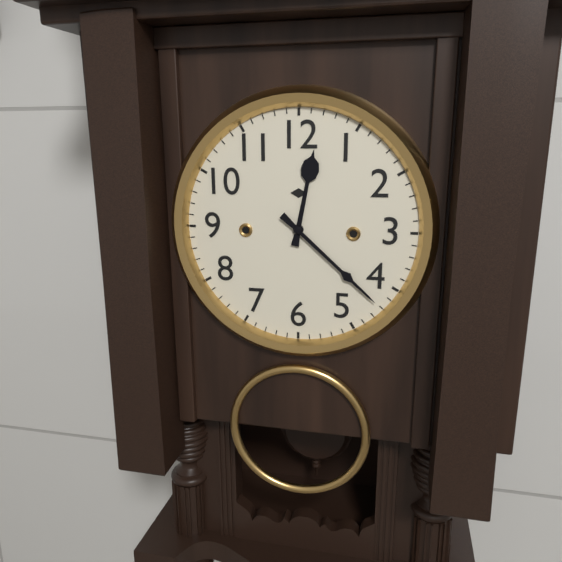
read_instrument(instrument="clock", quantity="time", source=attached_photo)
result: 12:22
